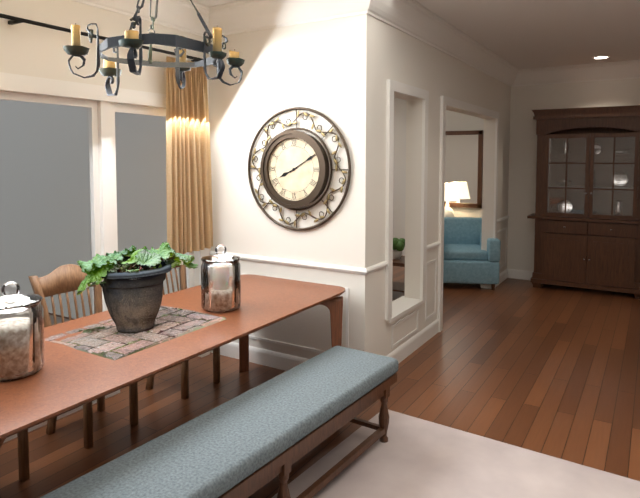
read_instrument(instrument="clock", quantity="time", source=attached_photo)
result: 8:10
